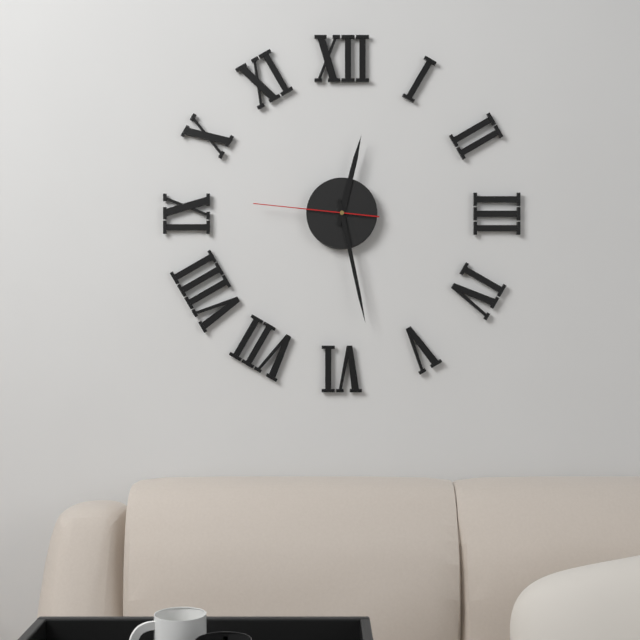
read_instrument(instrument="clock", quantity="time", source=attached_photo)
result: 12:28:46
